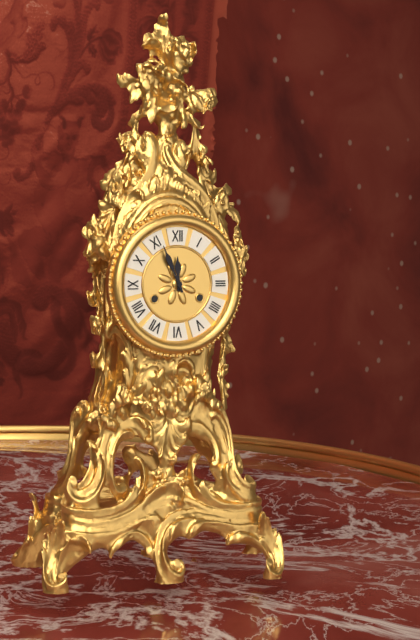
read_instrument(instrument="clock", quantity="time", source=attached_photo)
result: 11:56
